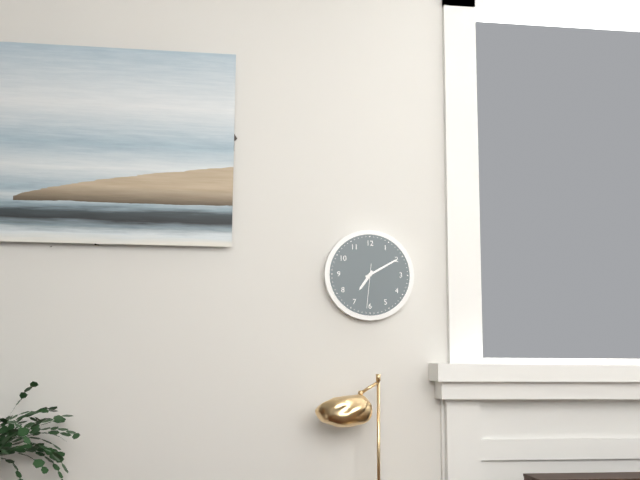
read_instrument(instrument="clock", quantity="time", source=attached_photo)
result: 7:10
